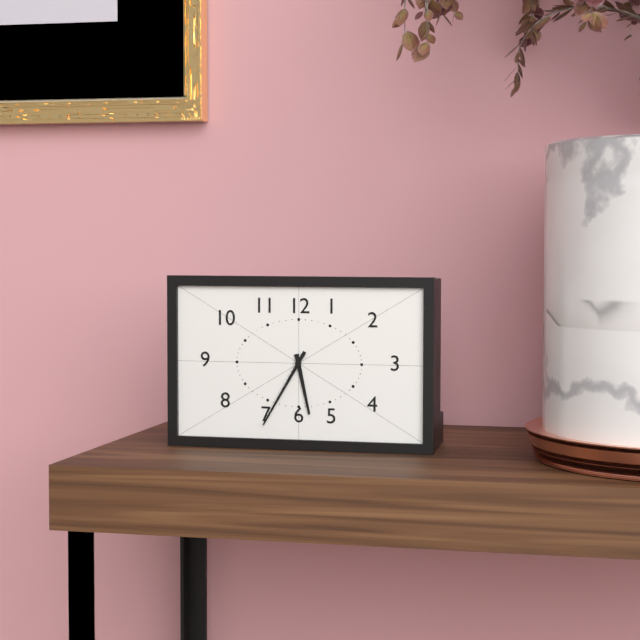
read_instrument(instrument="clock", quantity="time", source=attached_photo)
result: 5:35
